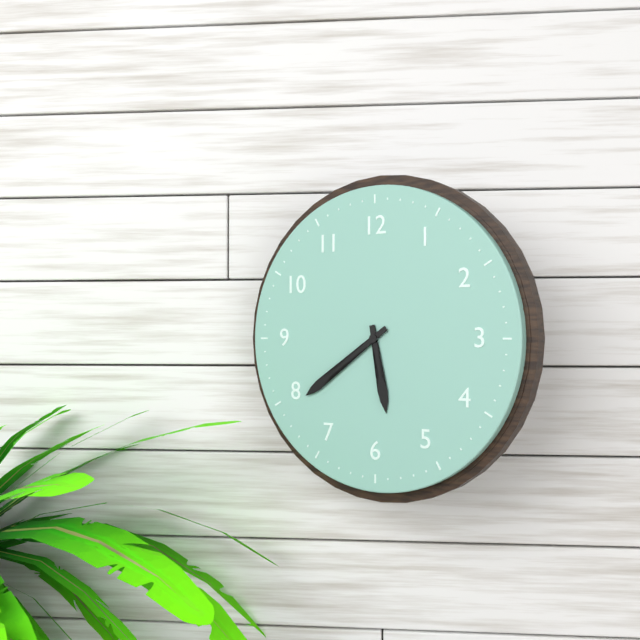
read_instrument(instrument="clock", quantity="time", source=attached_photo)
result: 5:39
